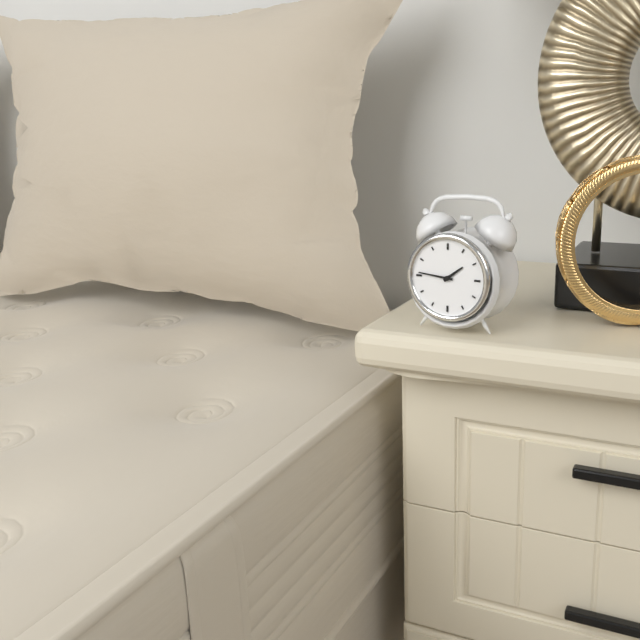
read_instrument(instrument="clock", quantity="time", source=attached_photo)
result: 1:46
